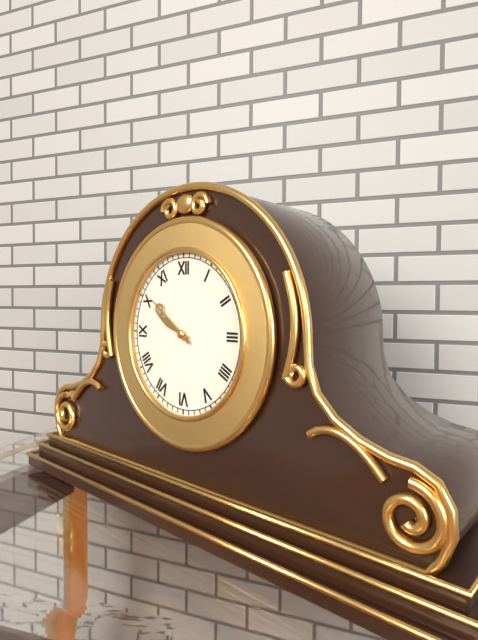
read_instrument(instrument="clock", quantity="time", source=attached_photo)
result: 9:51
